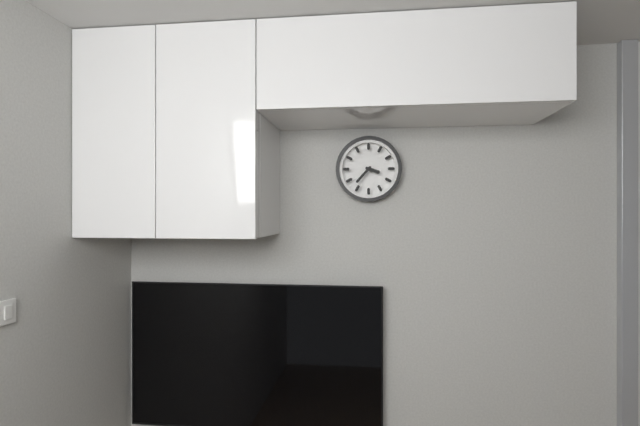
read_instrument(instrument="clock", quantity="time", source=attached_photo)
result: 3:37
